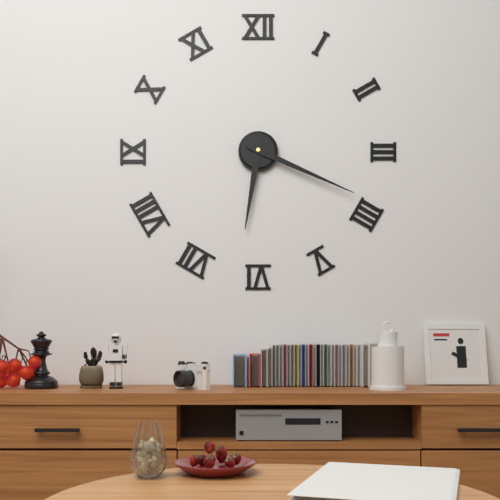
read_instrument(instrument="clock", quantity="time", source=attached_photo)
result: 6:19
